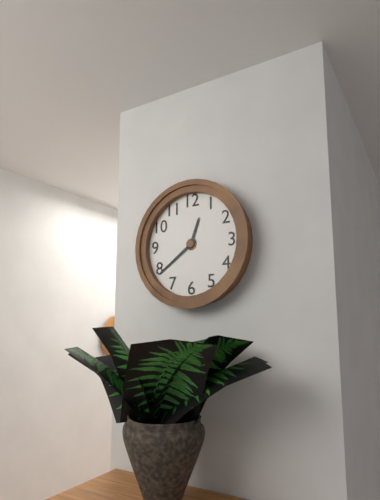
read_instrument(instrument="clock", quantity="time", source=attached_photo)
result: 12:39
